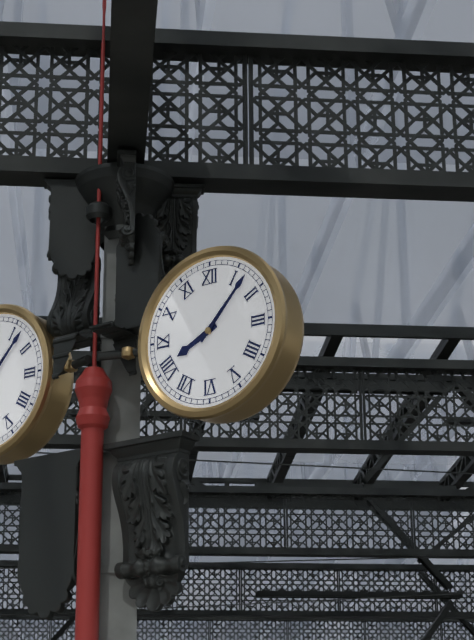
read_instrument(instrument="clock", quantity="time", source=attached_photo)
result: 8:07
